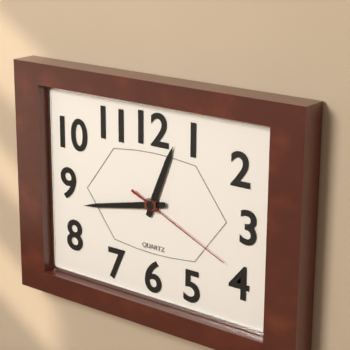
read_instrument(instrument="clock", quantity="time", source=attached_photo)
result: 12:43:19
